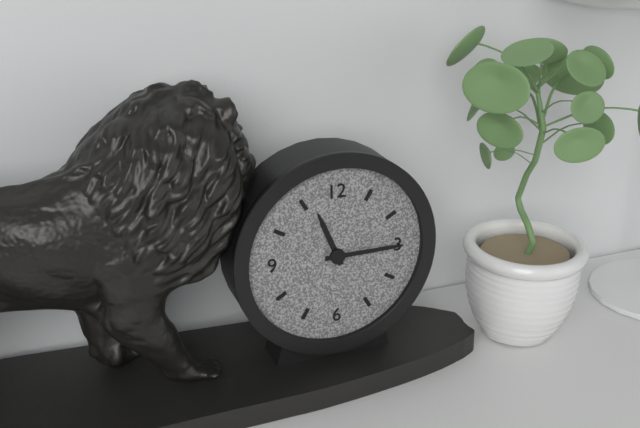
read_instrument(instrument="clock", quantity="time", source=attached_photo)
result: 11:15
